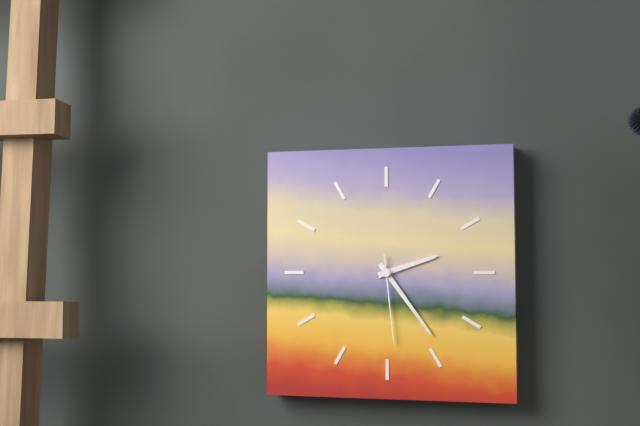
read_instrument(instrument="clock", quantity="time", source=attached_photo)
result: 2:24:29
